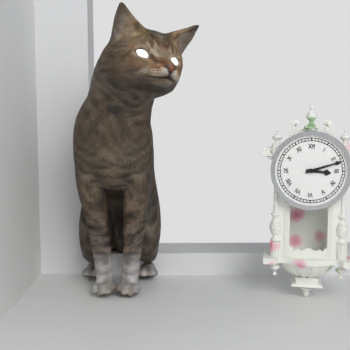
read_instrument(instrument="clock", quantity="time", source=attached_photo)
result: 3:12
